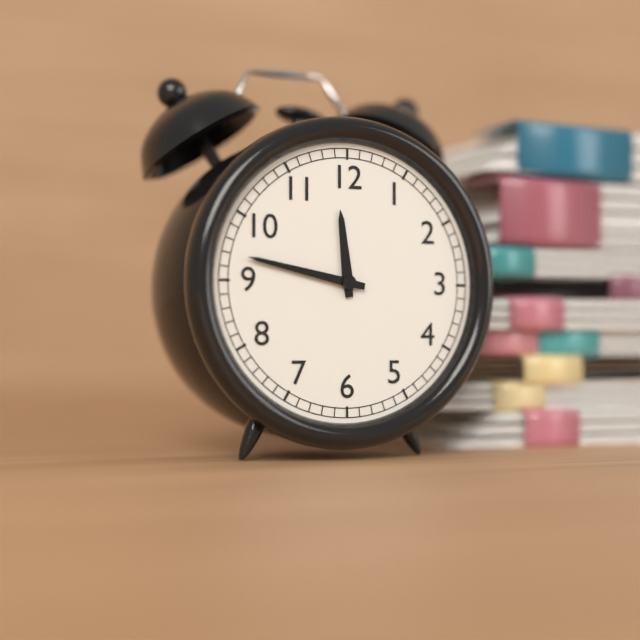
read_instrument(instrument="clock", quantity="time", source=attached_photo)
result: 11:47
